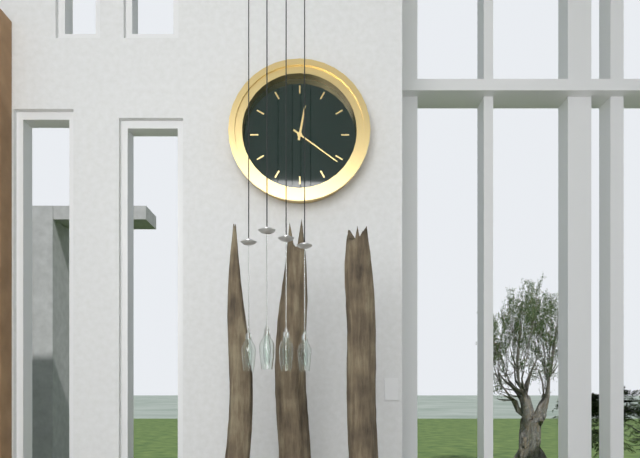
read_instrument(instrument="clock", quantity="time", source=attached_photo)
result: 12:21
